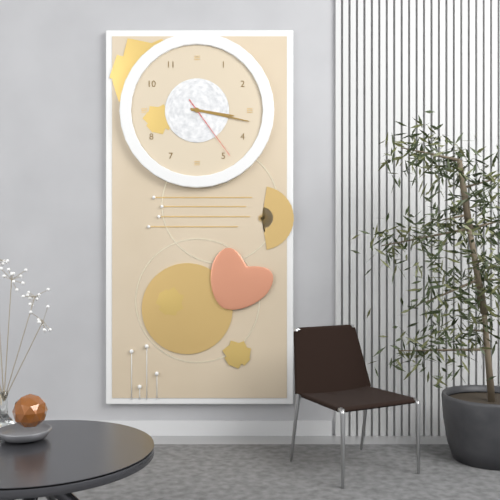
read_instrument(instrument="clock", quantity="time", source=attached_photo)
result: 3:17:24
